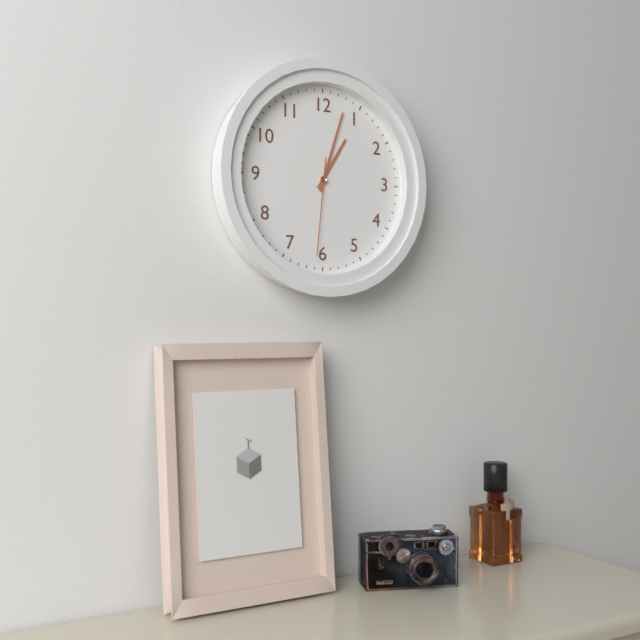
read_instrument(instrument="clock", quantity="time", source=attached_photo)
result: 1:03:31
